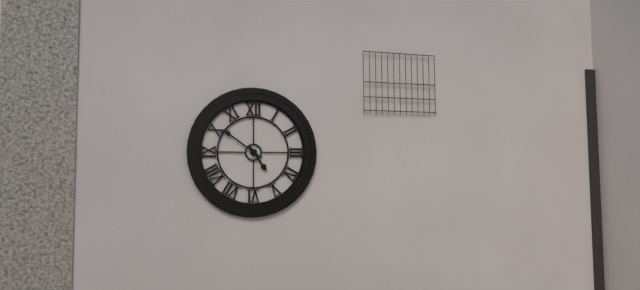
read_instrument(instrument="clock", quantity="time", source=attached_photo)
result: 4:51
